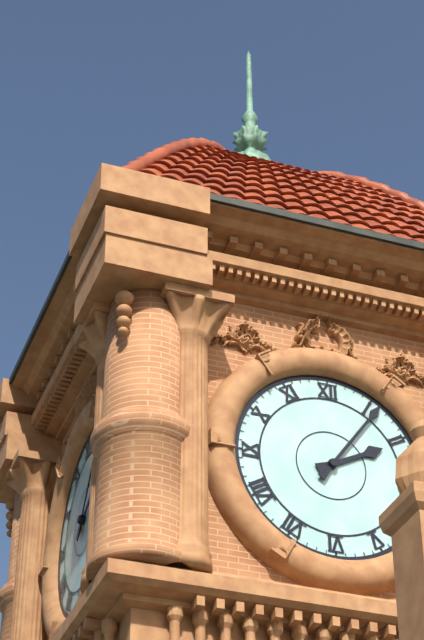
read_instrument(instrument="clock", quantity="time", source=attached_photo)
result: 2:06
